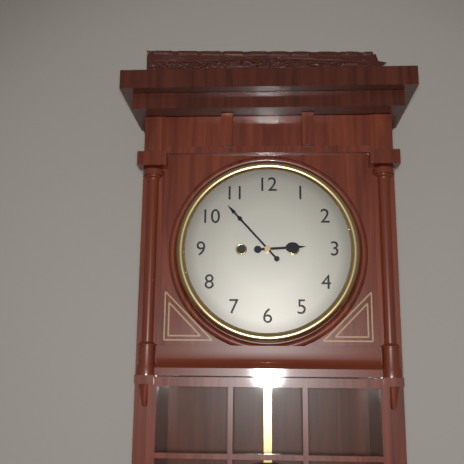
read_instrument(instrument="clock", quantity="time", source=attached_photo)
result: 2:53
